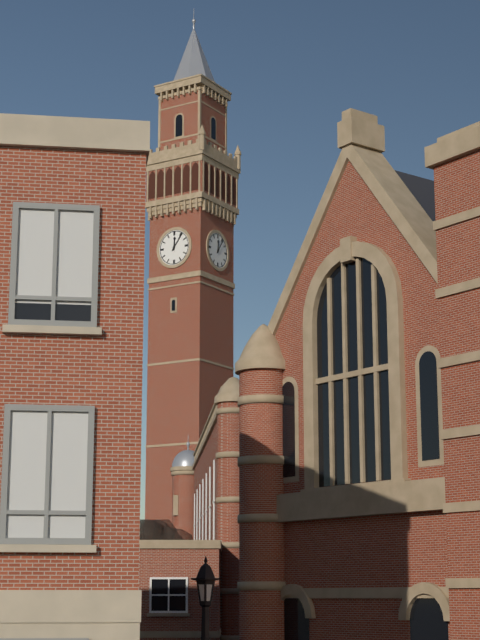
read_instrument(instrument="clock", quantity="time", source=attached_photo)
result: 12:06
